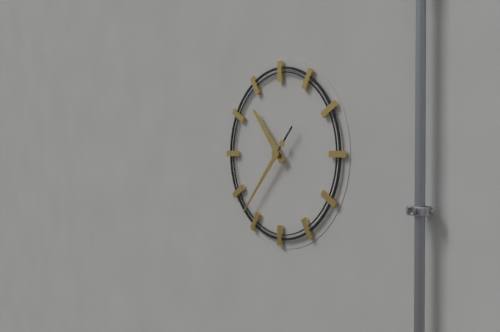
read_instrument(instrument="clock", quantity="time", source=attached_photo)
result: 10:37
